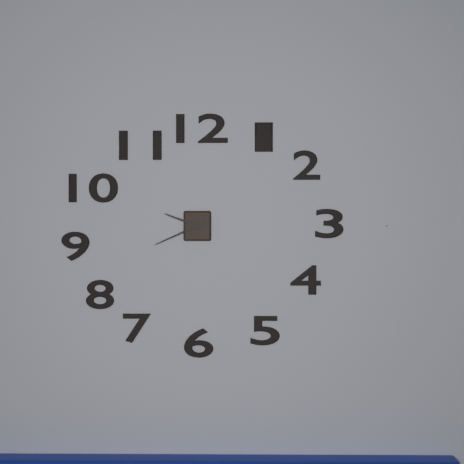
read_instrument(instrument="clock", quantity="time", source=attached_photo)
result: 9:41
